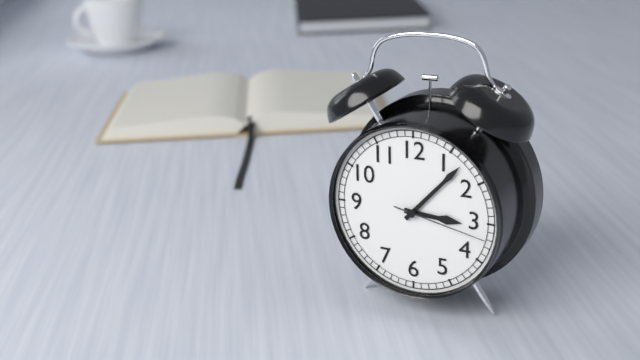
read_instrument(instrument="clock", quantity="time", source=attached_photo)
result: 3:07:17
